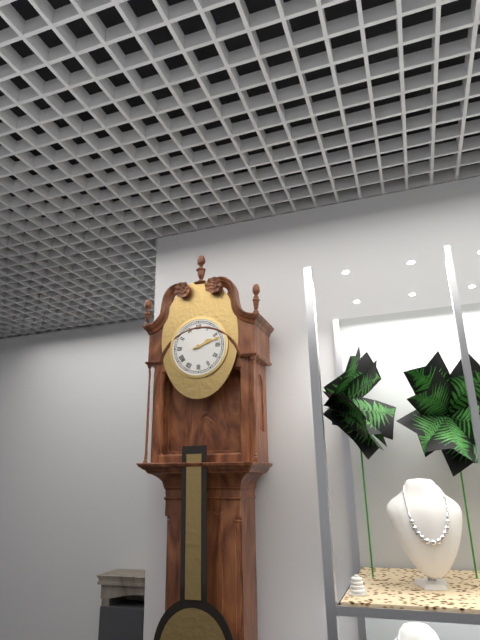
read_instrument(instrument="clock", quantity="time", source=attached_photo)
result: 2:12
